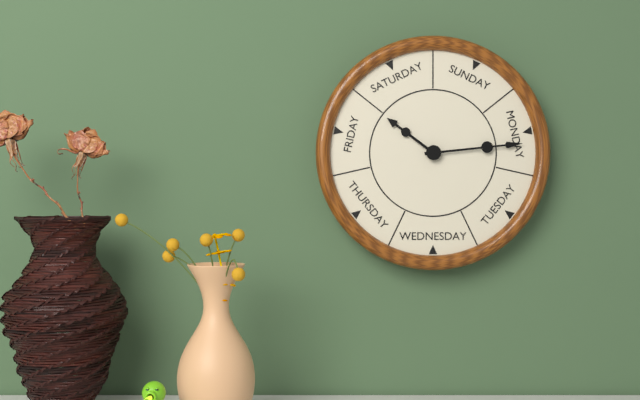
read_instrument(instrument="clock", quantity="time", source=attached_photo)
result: 10:14
